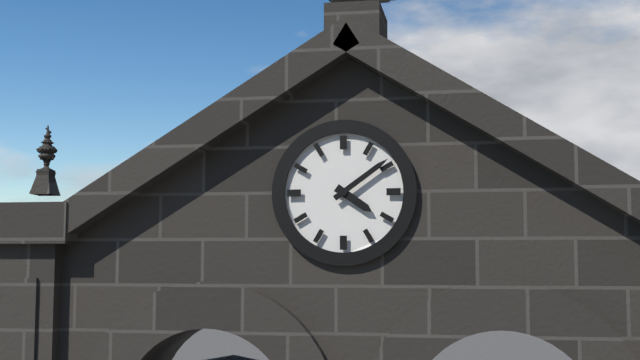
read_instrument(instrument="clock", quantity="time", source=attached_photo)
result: 4:09
